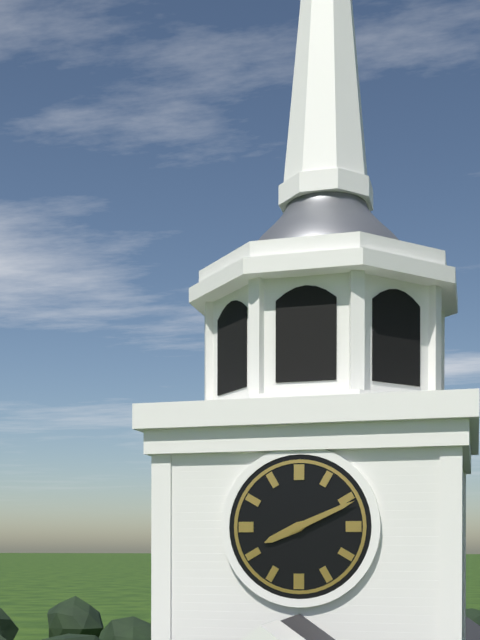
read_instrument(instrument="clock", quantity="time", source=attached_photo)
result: 8:11
